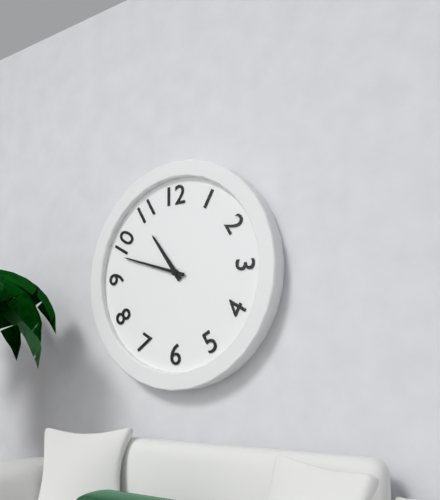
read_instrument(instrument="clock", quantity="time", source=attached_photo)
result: 10:48
